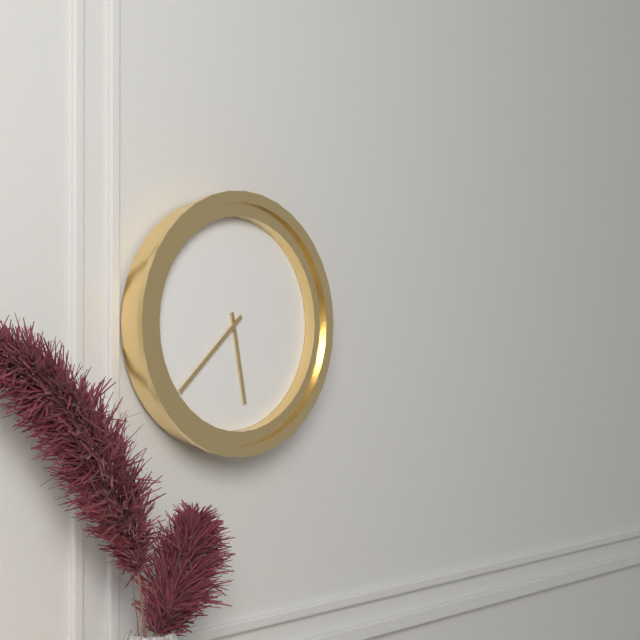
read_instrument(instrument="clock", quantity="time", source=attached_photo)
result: 5:38
